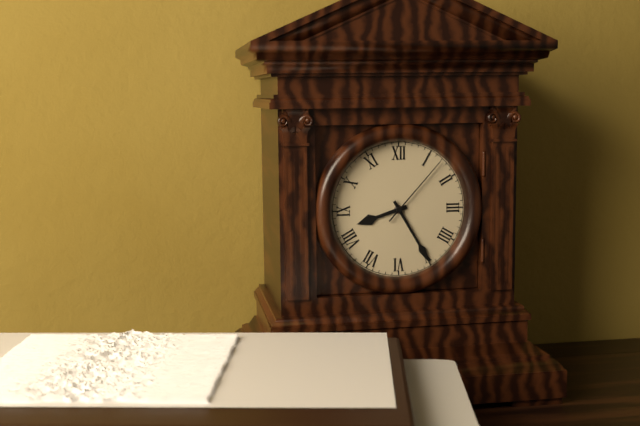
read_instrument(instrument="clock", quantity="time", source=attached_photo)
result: 8:25:07
